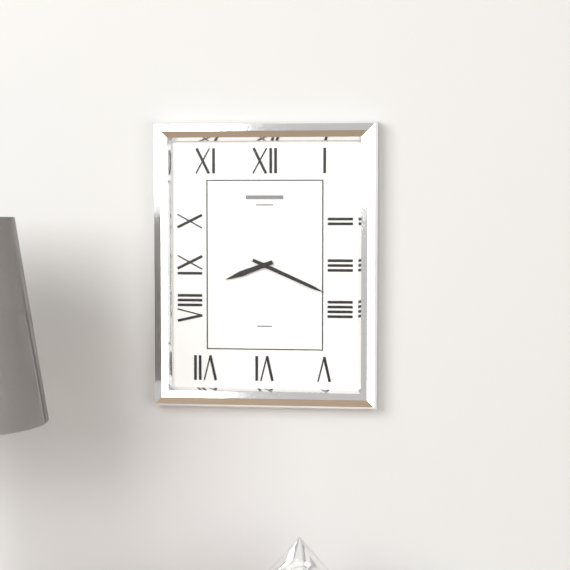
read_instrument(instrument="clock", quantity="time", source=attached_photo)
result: 8:19
